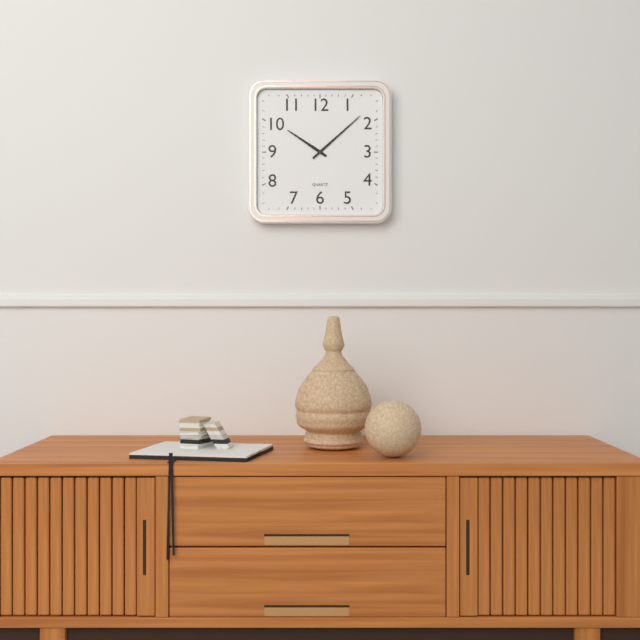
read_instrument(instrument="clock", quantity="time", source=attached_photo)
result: 10:08
